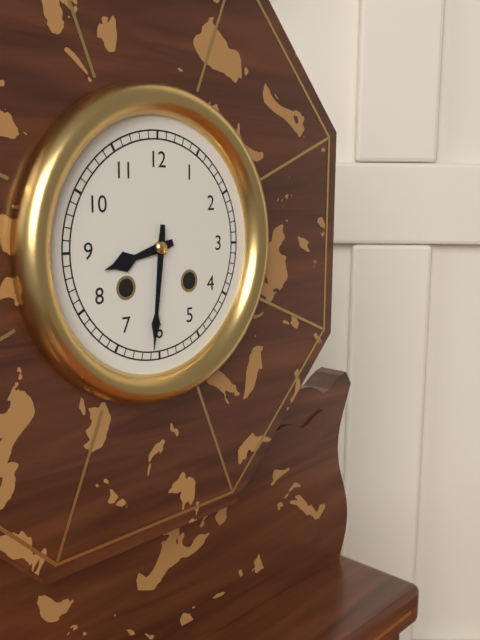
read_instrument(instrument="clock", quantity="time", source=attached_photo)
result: 8:31
